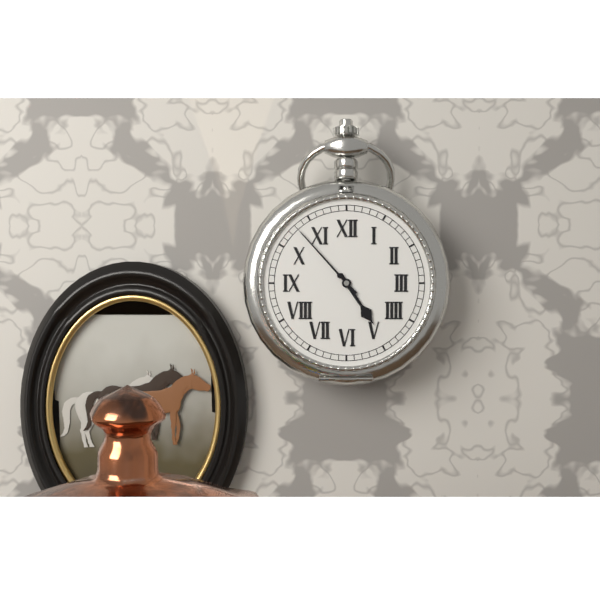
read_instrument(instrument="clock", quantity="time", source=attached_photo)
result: 4:53
